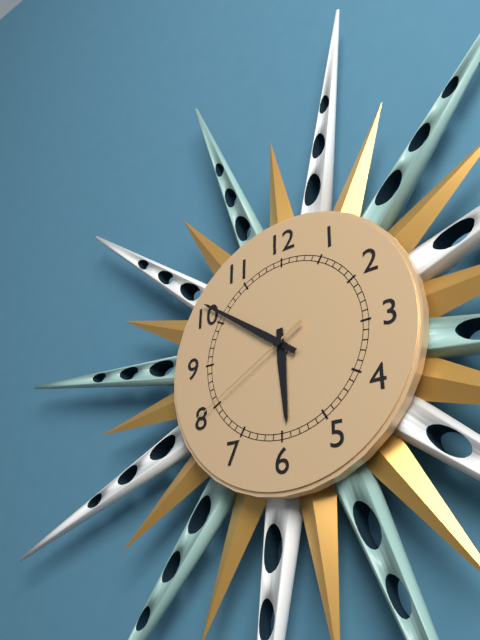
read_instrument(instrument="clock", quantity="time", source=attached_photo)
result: 5:51:40
